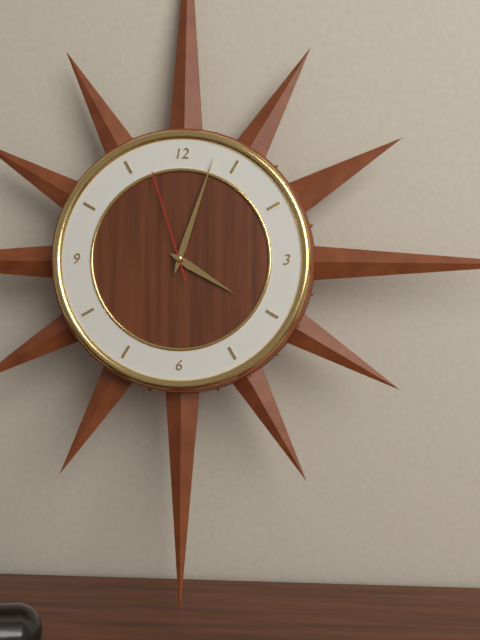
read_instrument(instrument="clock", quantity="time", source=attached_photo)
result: 4:03:57
